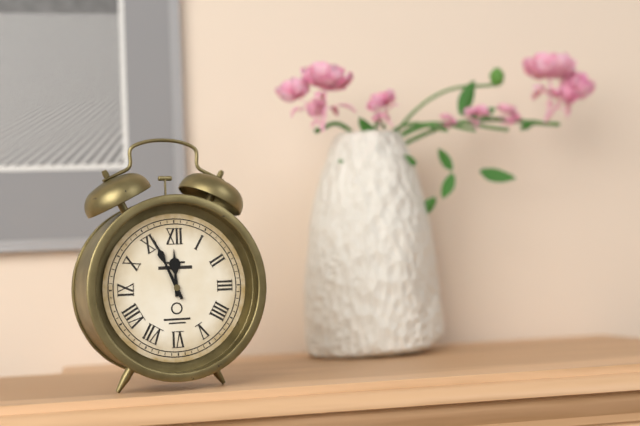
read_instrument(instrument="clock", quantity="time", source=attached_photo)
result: 11:56
